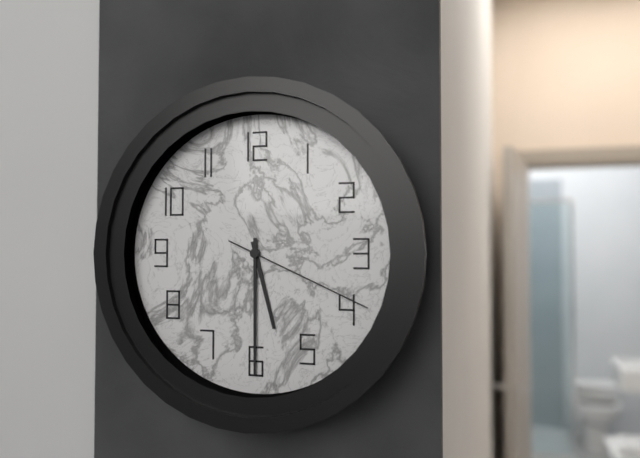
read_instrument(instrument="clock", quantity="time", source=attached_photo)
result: 5:30:19
